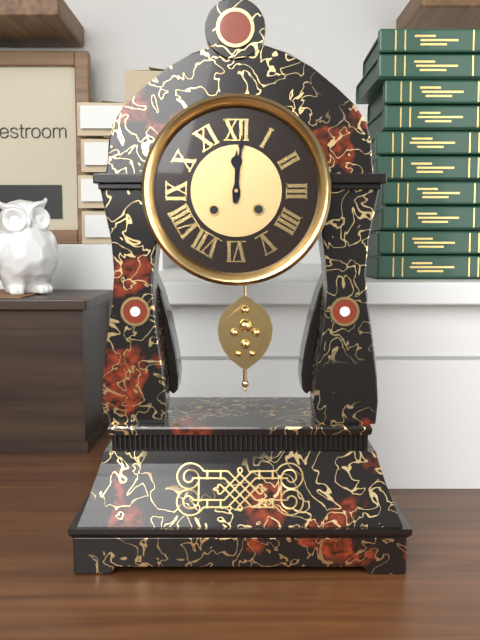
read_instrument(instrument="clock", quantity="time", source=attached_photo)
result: 12:01
